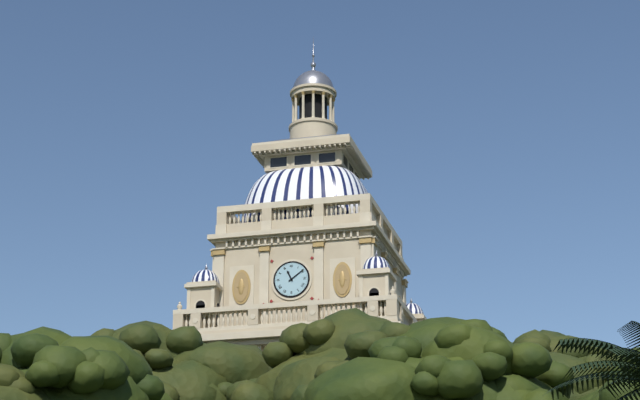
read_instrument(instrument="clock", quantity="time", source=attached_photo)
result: 11:09
